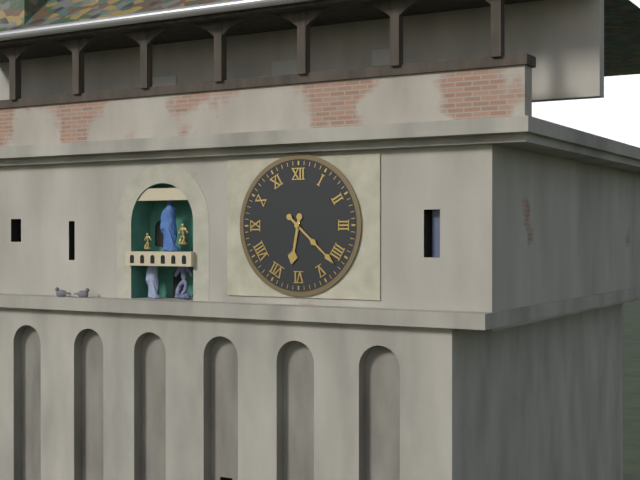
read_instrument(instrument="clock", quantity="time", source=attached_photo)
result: 6:22
